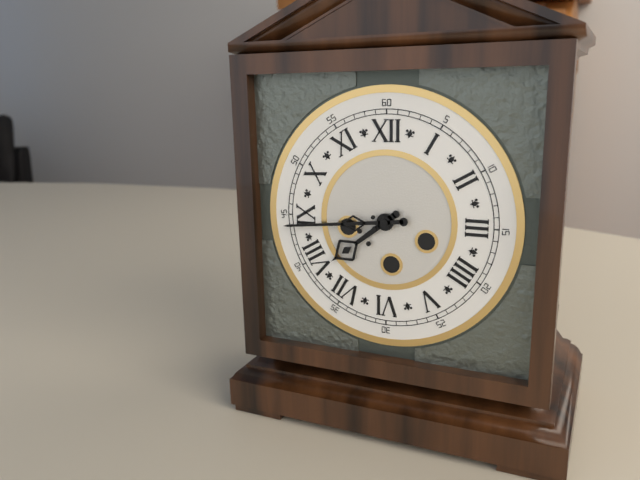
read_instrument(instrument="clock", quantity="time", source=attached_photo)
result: 7:44
